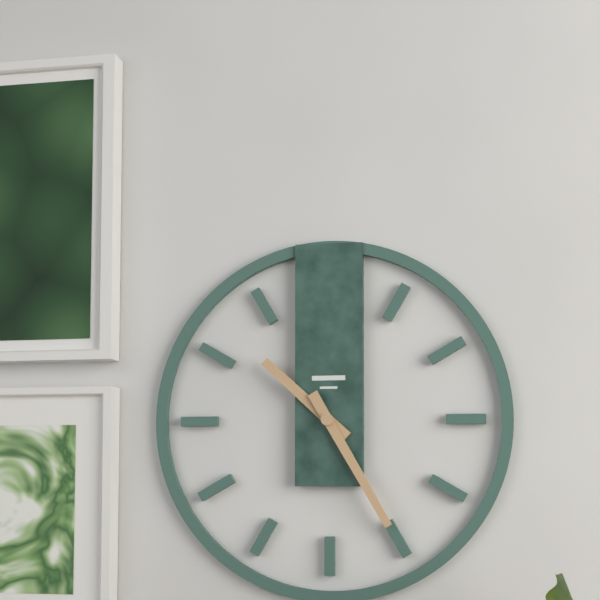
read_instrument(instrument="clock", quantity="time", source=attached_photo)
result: 10:25
